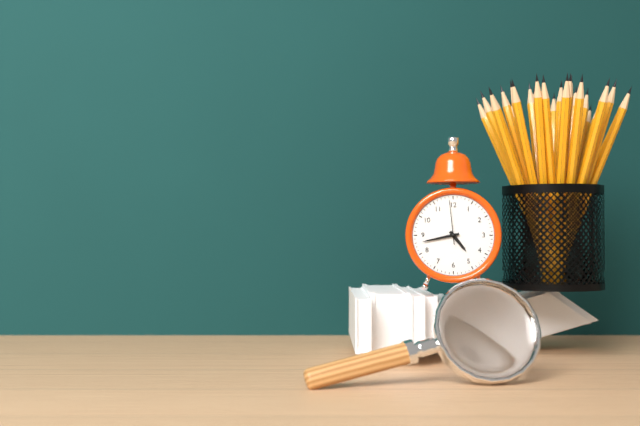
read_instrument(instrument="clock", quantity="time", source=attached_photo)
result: 4:43
